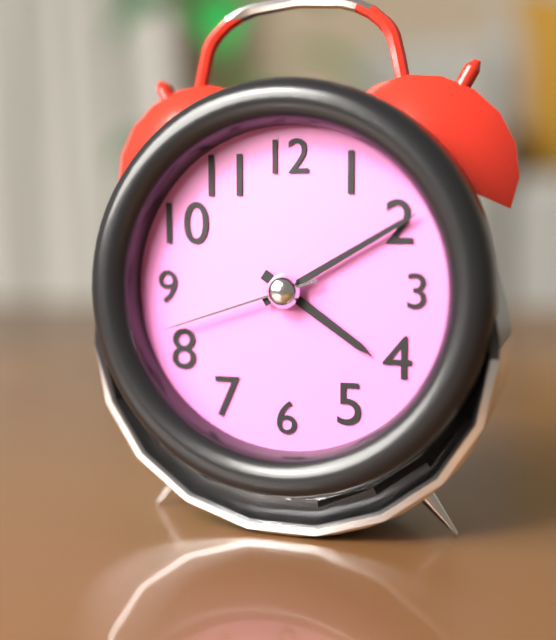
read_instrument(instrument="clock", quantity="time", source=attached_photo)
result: 4:10:42
